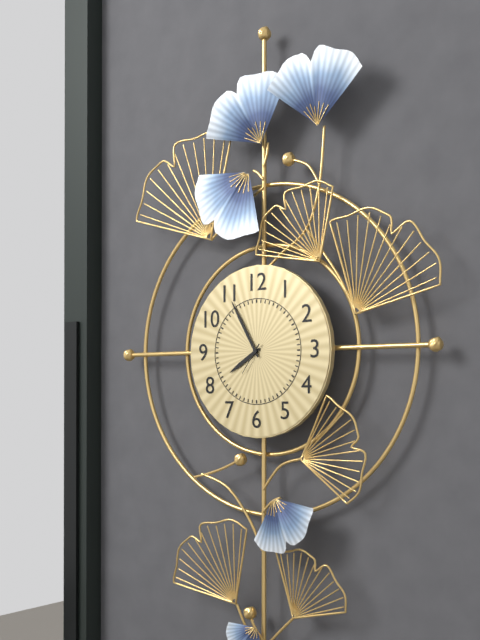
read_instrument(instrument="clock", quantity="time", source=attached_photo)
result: 7:55
